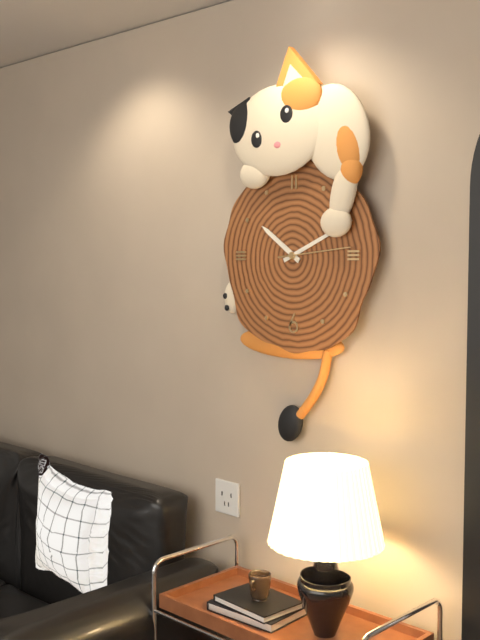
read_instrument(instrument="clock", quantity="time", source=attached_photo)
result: 10:11:14
